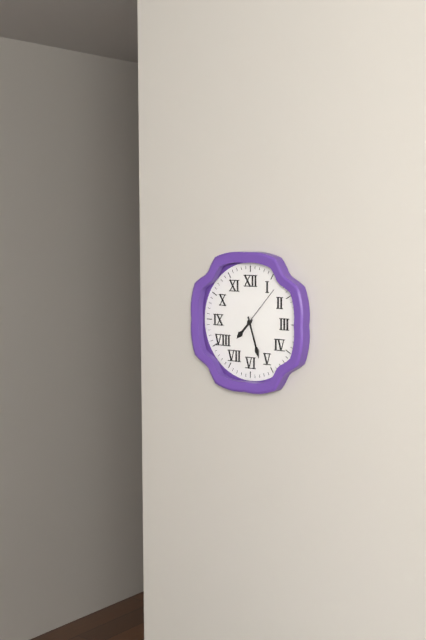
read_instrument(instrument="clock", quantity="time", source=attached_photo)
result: 7:27
